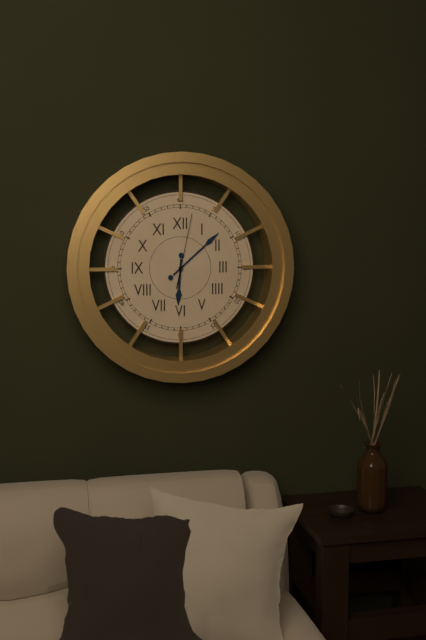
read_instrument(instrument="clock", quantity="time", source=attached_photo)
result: 6:08:02
